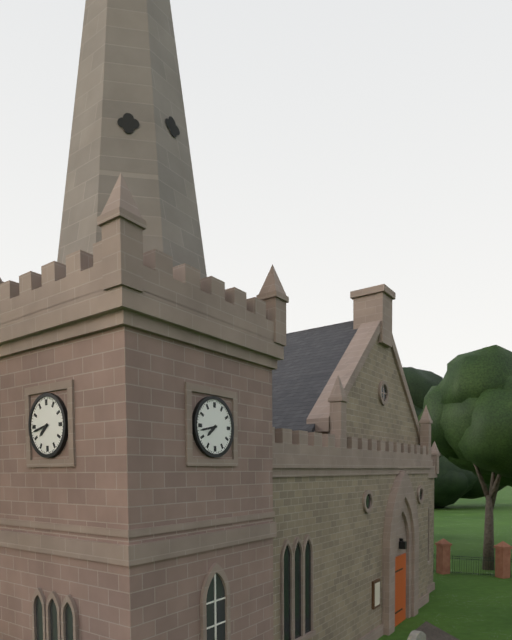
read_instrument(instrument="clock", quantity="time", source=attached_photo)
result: 7:43
